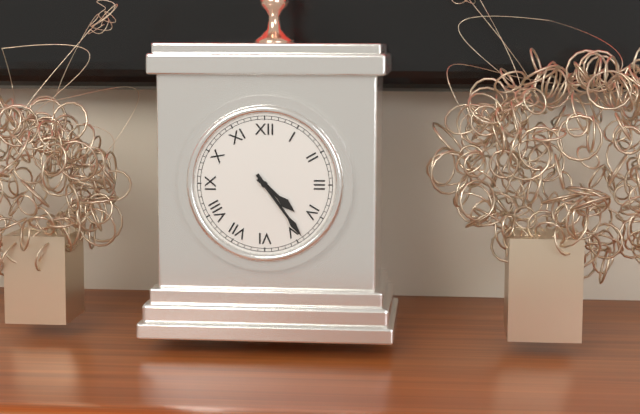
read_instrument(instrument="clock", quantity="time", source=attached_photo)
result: 4:24
